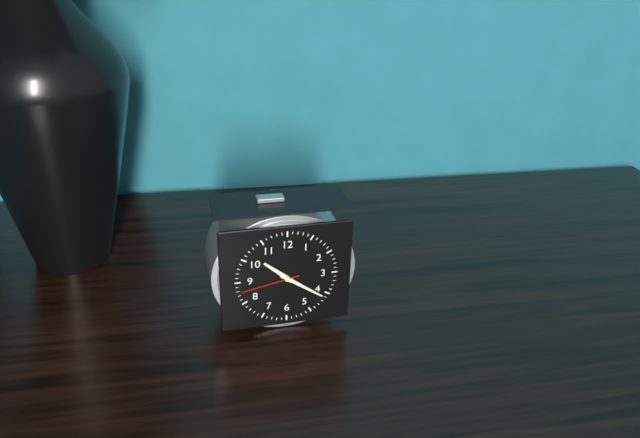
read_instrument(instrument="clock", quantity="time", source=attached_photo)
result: 10:21:43
